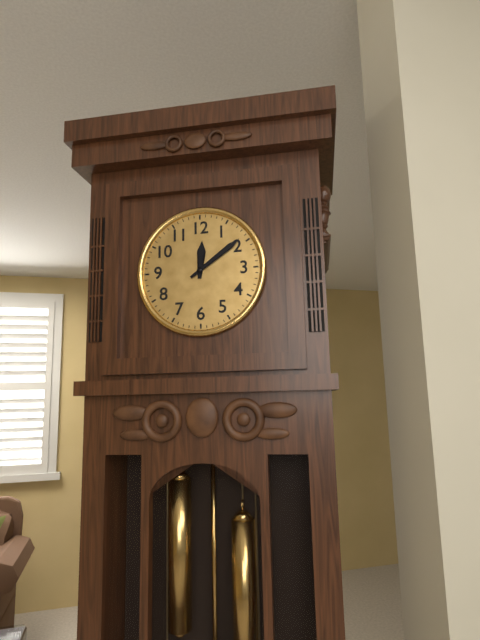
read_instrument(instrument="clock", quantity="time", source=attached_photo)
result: 12:09
